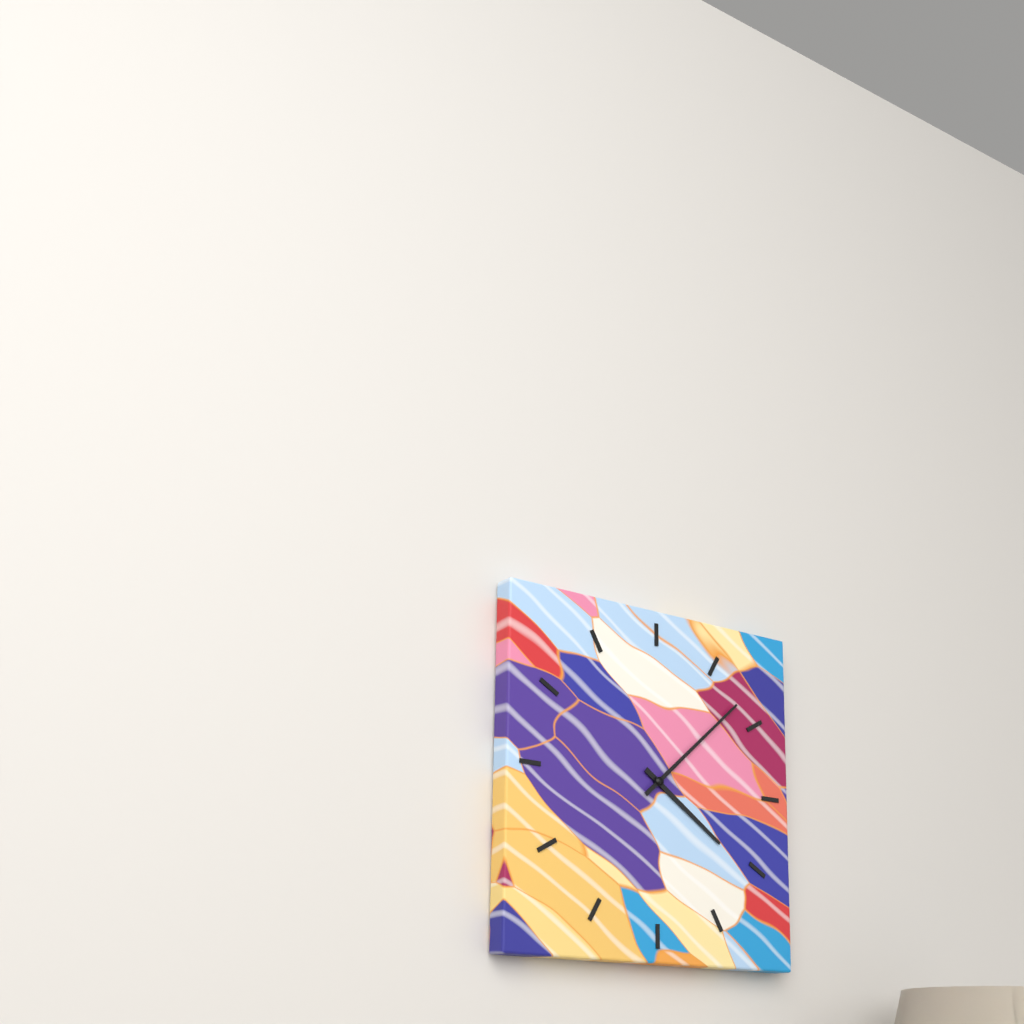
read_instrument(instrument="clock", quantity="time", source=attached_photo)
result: 4:08
